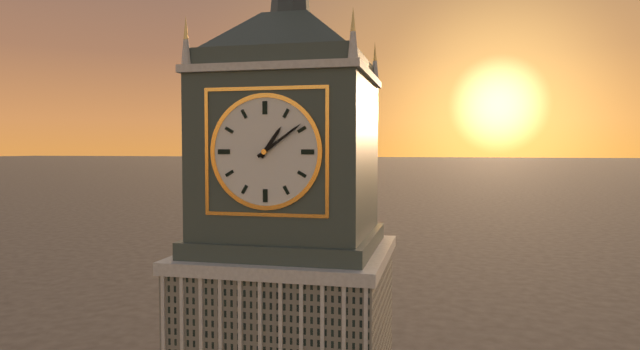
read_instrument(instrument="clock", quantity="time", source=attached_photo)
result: 1:09
